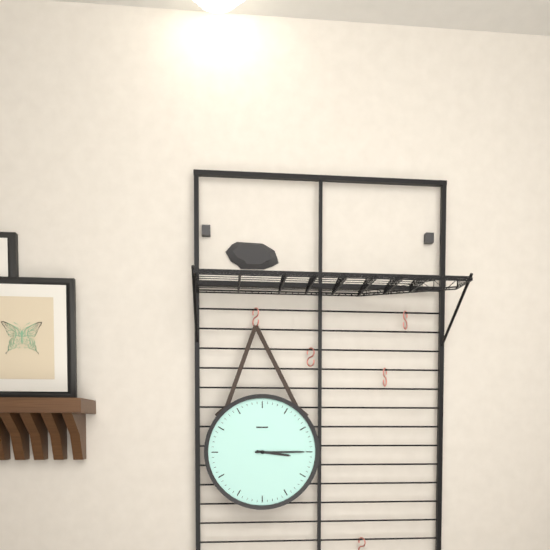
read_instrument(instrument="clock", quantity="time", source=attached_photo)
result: 3:15
